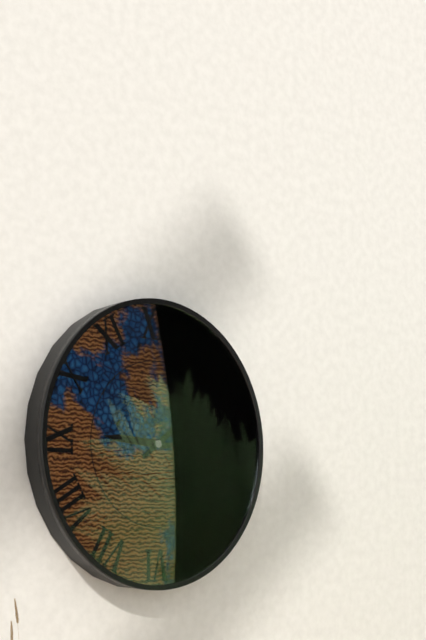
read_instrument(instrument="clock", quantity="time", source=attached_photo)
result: 9:09
